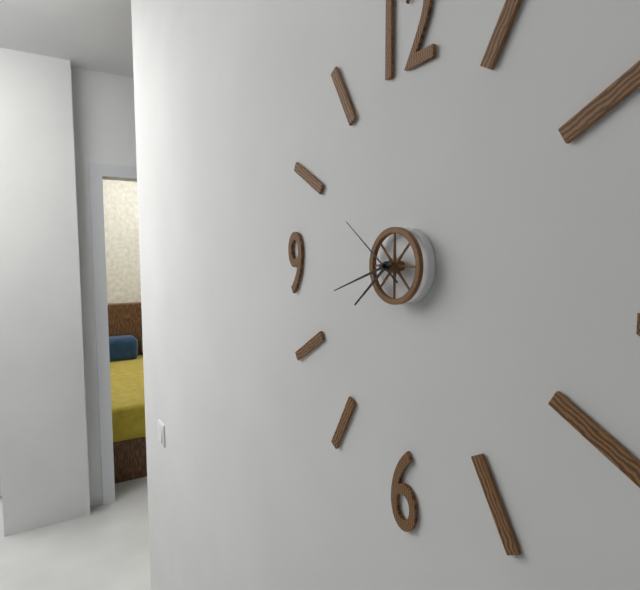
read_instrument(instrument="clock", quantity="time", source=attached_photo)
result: 7:42:51
